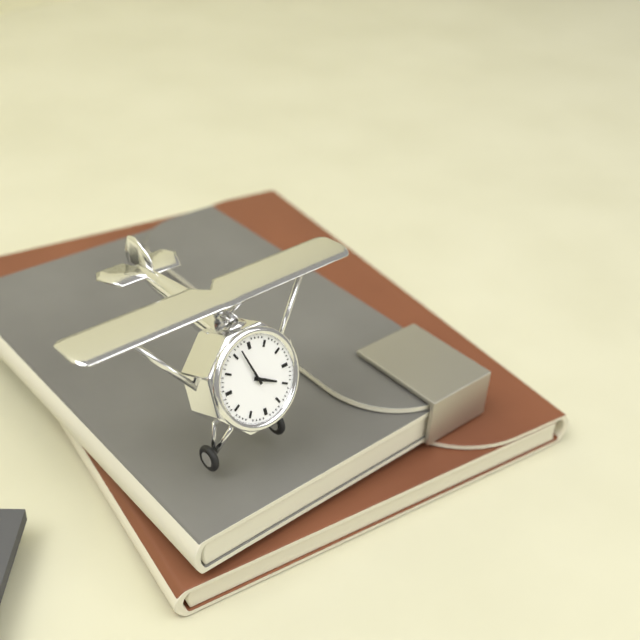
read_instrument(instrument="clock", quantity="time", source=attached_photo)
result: 3:57
